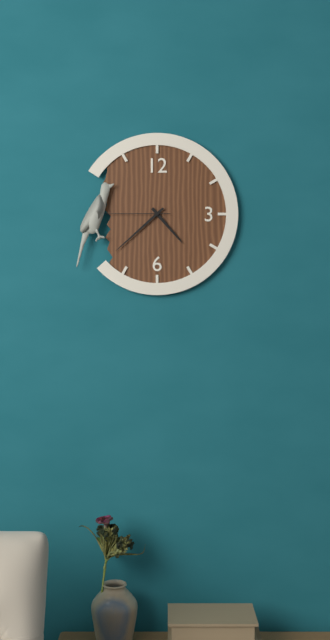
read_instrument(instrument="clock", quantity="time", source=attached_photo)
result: 4:38:45
